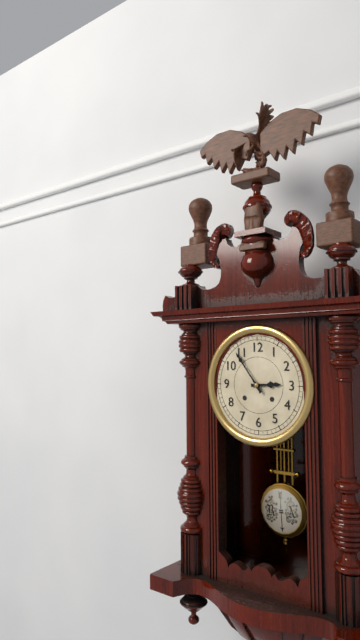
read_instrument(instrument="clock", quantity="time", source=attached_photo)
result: 2:54
